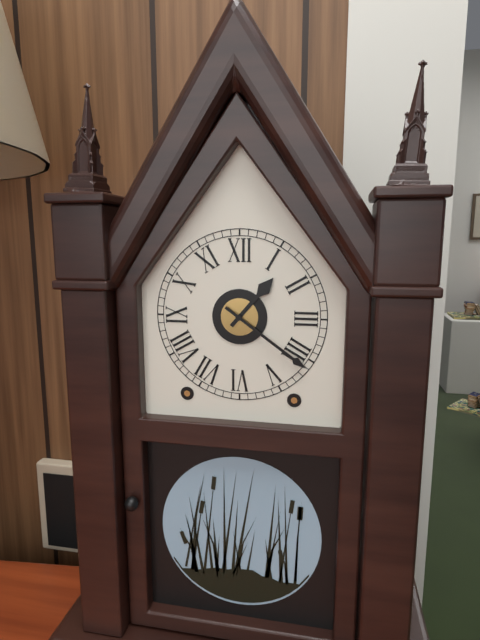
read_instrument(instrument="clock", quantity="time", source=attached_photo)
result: 1:21
